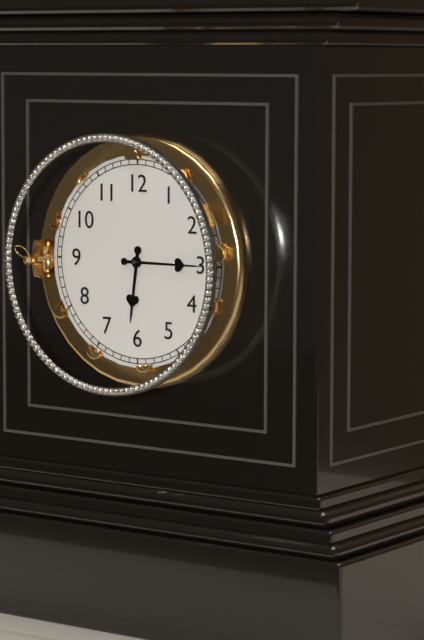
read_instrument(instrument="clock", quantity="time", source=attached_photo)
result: 6:15
